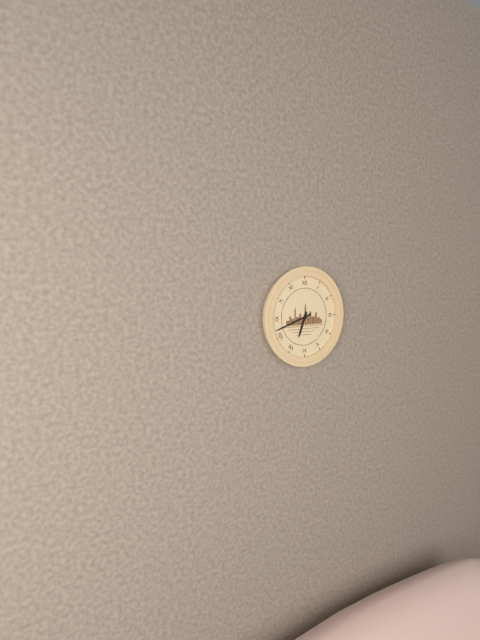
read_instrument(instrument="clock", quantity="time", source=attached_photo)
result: 6:42
